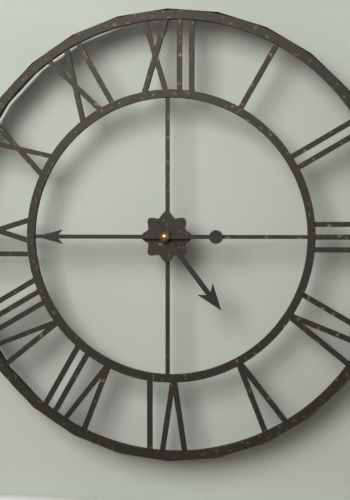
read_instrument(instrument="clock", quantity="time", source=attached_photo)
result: 4:45
